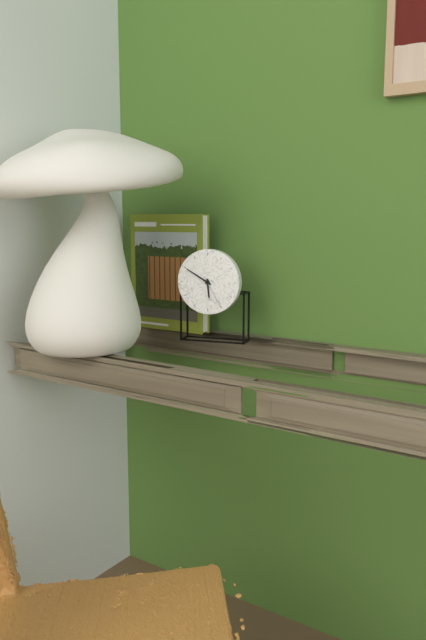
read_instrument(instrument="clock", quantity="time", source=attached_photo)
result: 5:50
